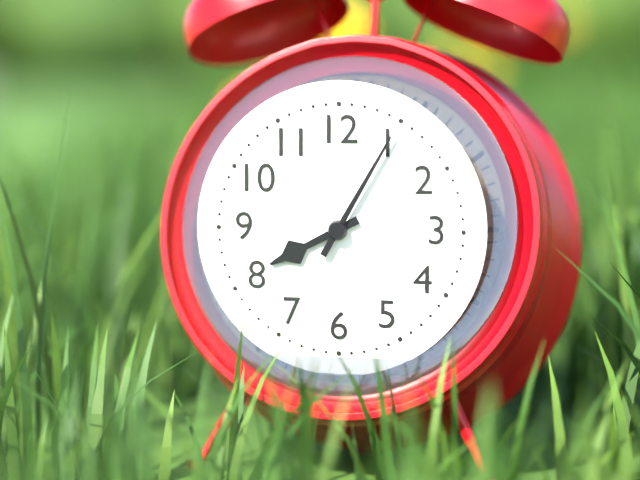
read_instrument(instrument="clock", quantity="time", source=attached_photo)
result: 8:05
